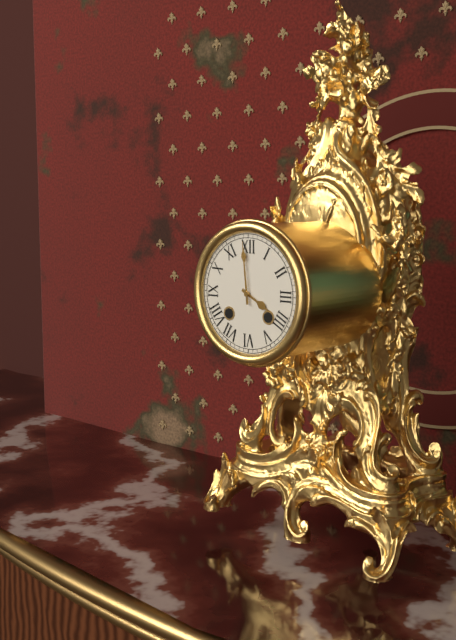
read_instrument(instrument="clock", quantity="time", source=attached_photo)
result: 3:59
